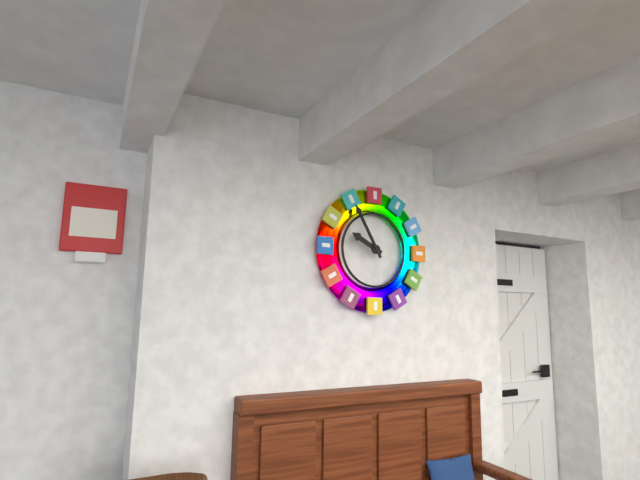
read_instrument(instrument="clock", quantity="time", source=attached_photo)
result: 9:55
